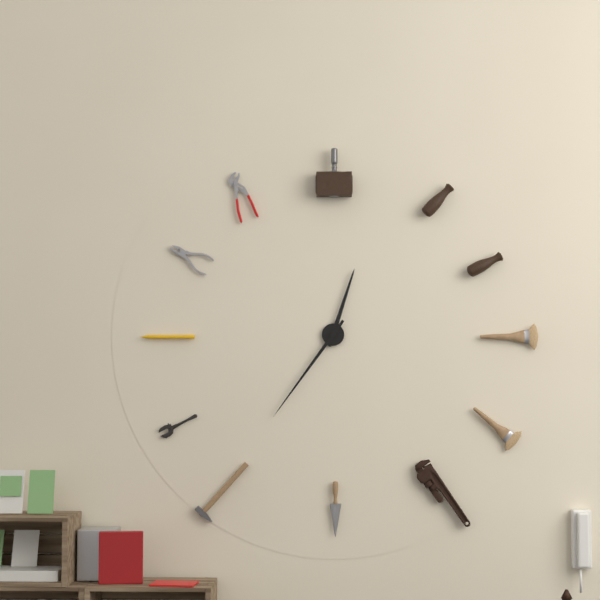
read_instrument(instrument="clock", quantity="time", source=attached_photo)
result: 12:36
